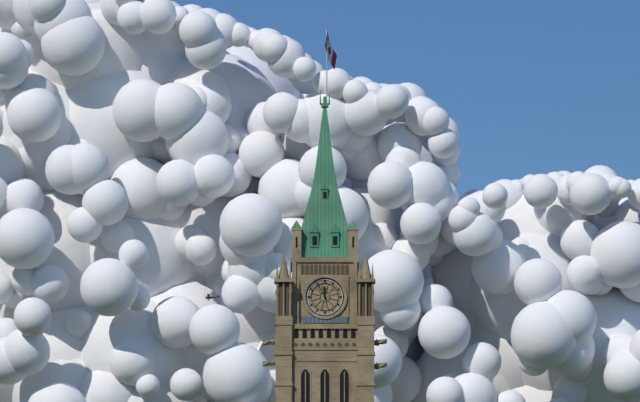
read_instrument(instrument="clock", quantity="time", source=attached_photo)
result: 11:55
